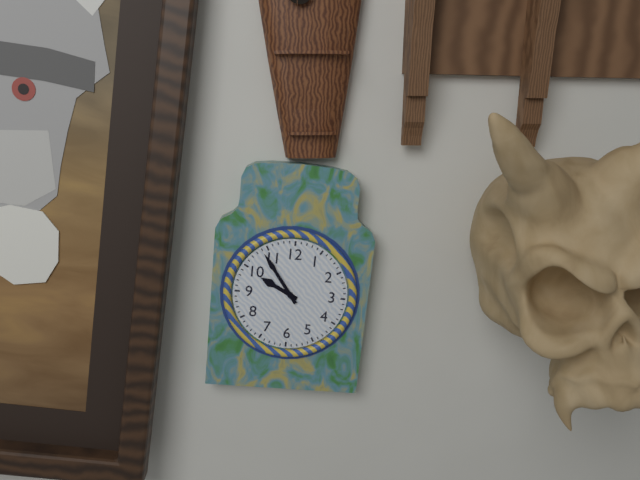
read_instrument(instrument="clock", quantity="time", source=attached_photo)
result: 9:54
